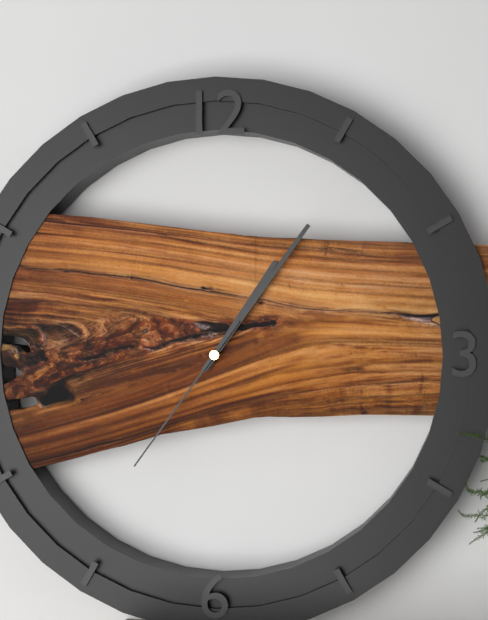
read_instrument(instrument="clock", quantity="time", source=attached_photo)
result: 1:06:36
